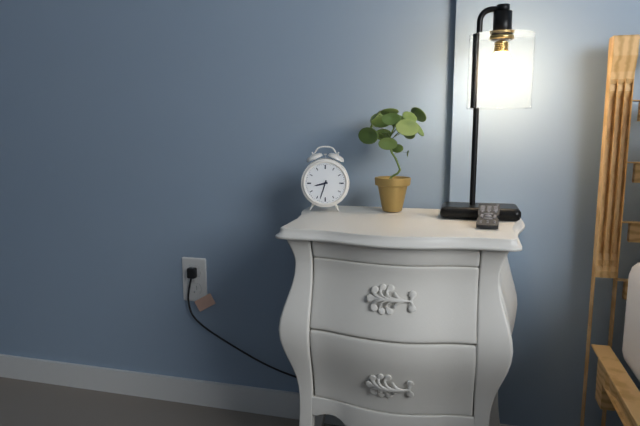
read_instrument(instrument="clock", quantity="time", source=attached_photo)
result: 8:33
